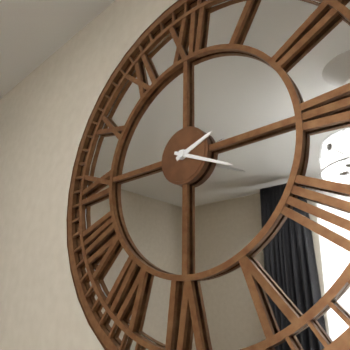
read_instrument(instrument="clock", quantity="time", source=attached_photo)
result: 2:19
